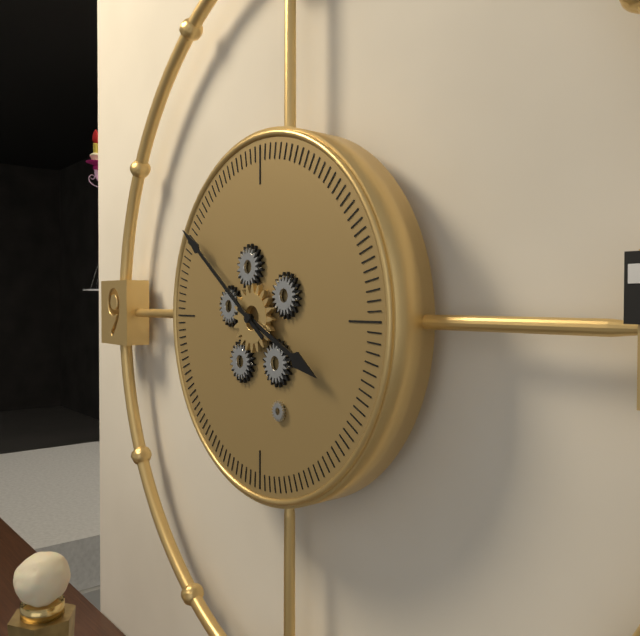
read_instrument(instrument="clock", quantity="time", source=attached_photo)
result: 3:51
